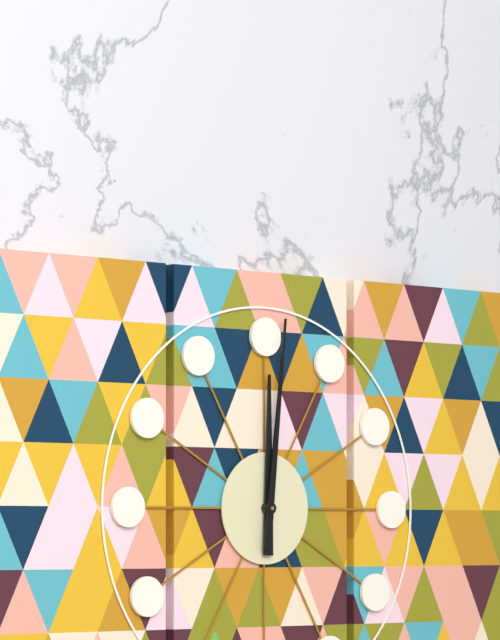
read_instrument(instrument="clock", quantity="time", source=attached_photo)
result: 12:01
